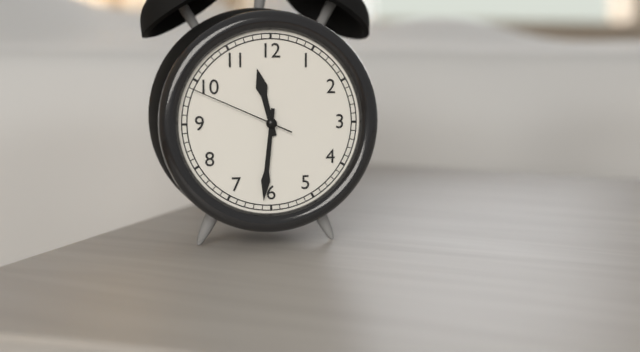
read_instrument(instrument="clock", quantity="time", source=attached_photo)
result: 11:31:49
